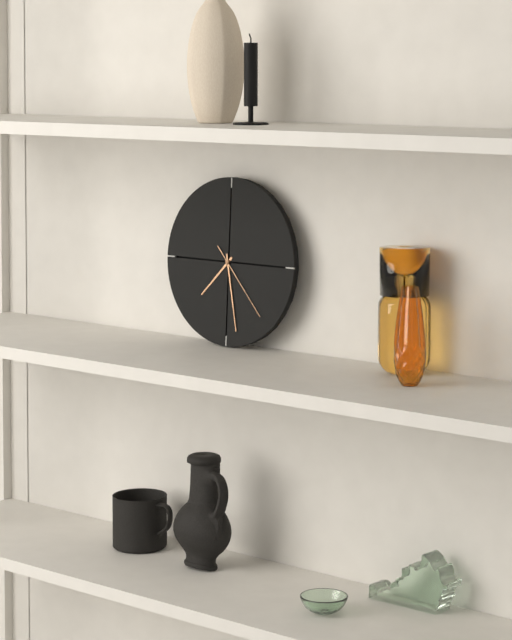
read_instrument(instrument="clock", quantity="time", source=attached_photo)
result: 7:28:23
